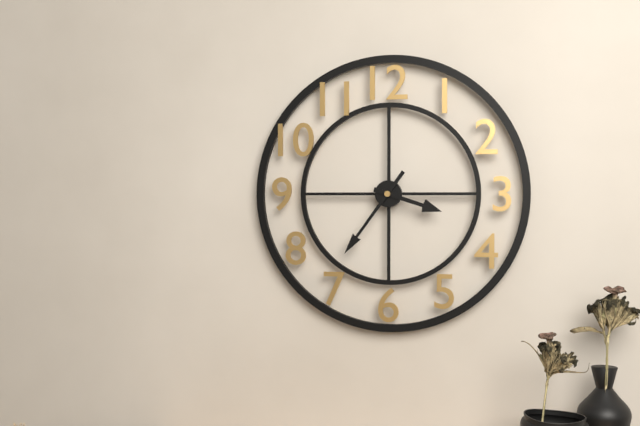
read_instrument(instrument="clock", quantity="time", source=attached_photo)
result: 3:36
